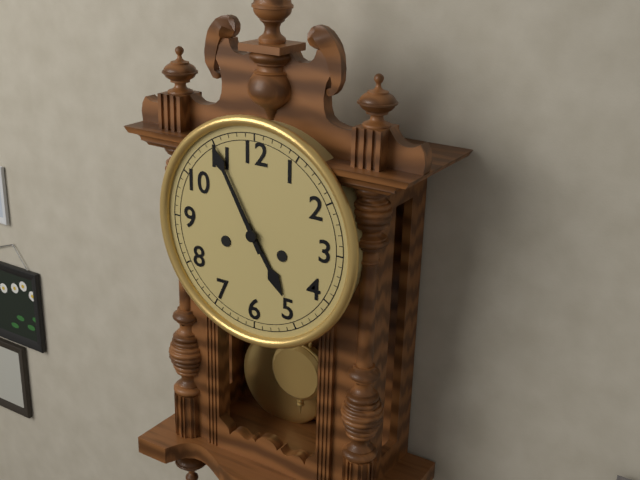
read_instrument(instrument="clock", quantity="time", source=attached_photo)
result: 4:55
